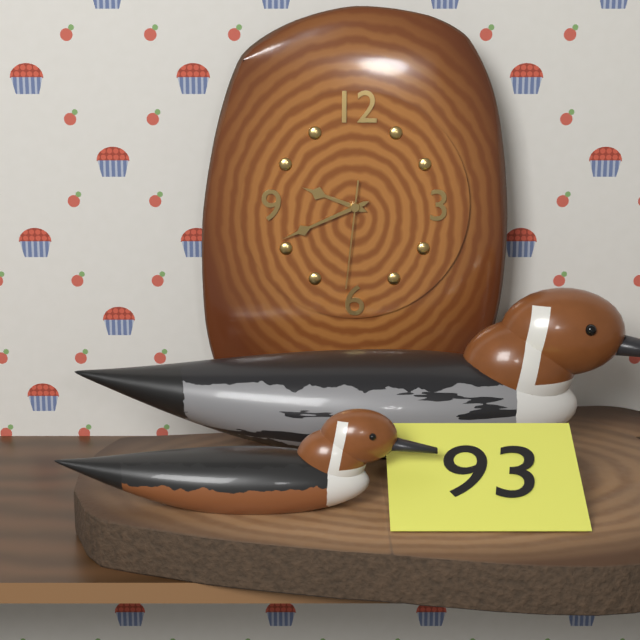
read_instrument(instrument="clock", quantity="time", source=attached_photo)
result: 9:41:31
